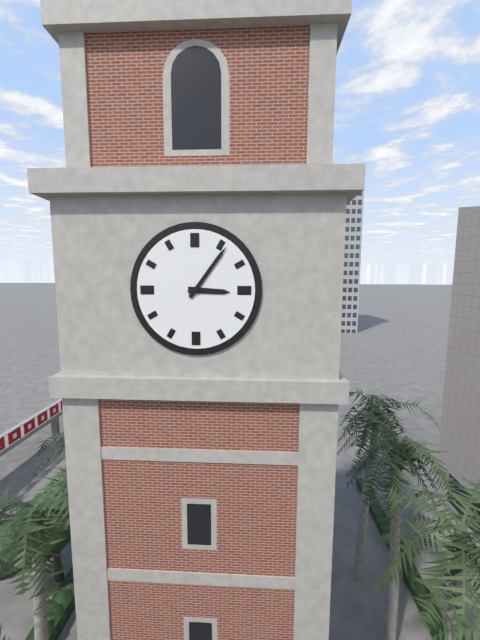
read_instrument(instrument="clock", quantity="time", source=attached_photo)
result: 3:06
